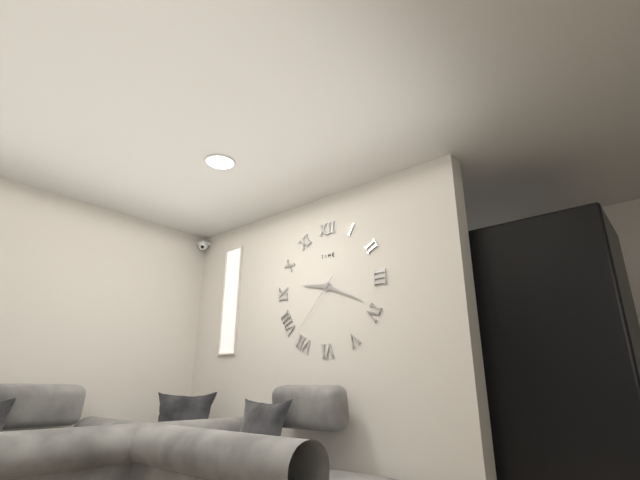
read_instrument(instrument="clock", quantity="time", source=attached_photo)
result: 9:19:37
